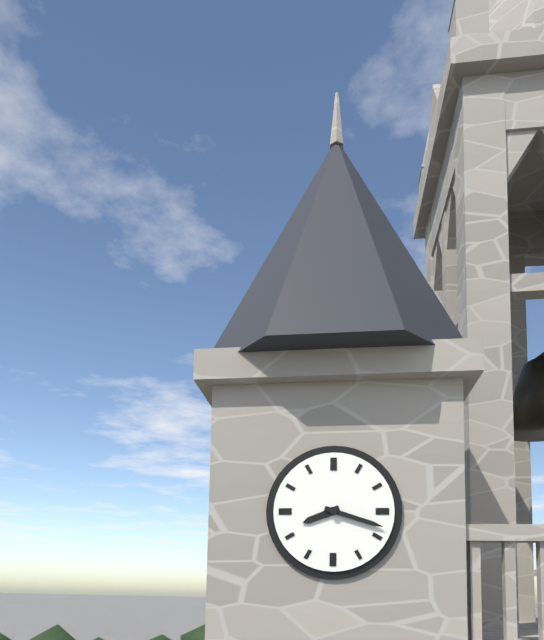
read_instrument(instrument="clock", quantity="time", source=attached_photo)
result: 8:18
